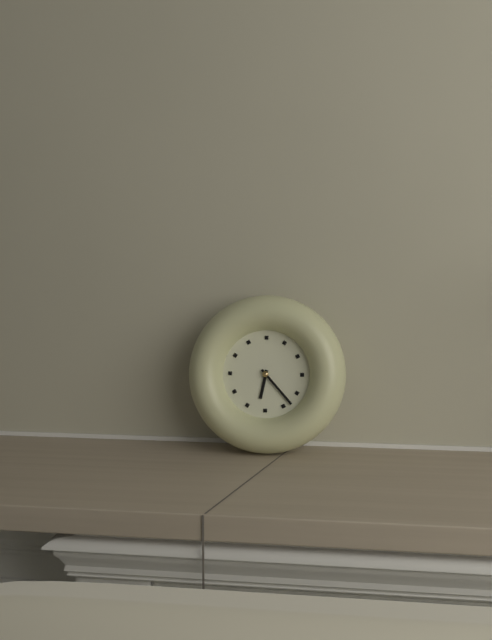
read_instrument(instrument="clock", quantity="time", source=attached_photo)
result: 6:23
